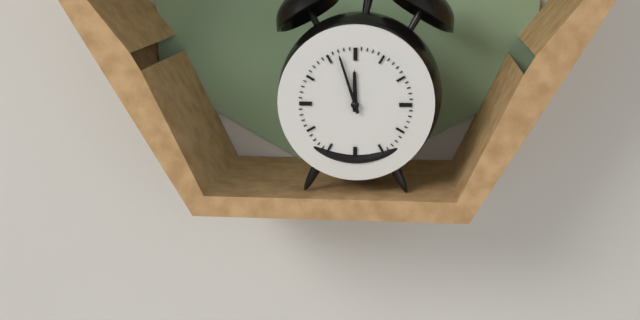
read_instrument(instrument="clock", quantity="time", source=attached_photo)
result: 11:57
